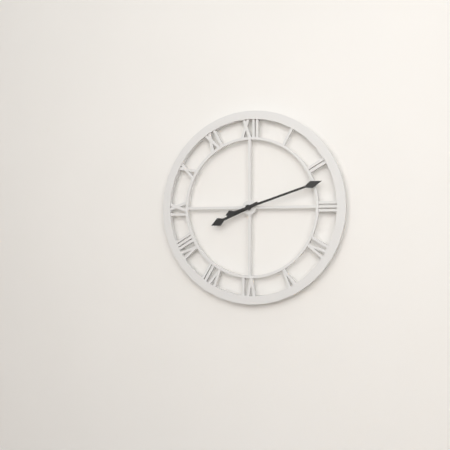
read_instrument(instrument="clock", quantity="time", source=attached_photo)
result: 8:12
